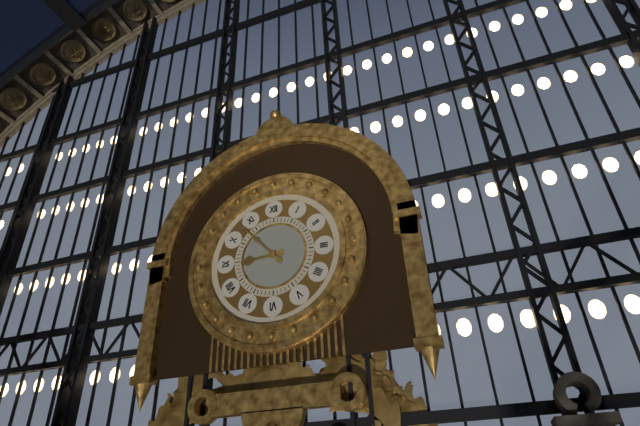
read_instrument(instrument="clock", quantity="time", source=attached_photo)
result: 8:53
